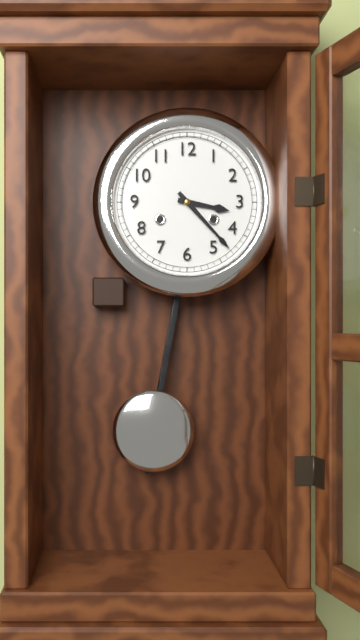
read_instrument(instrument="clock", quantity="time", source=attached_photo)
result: 3:23
